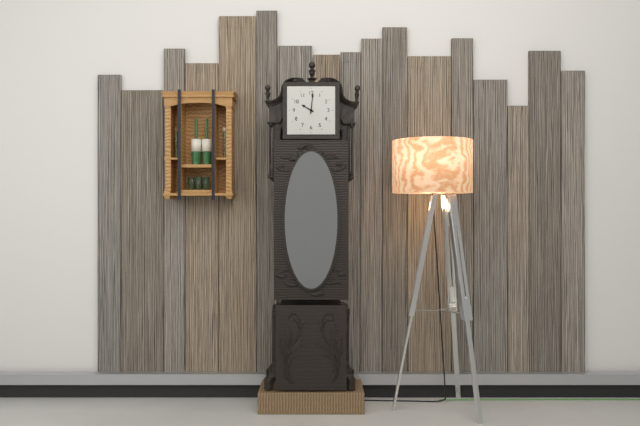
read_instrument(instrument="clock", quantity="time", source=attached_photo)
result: 10:01
